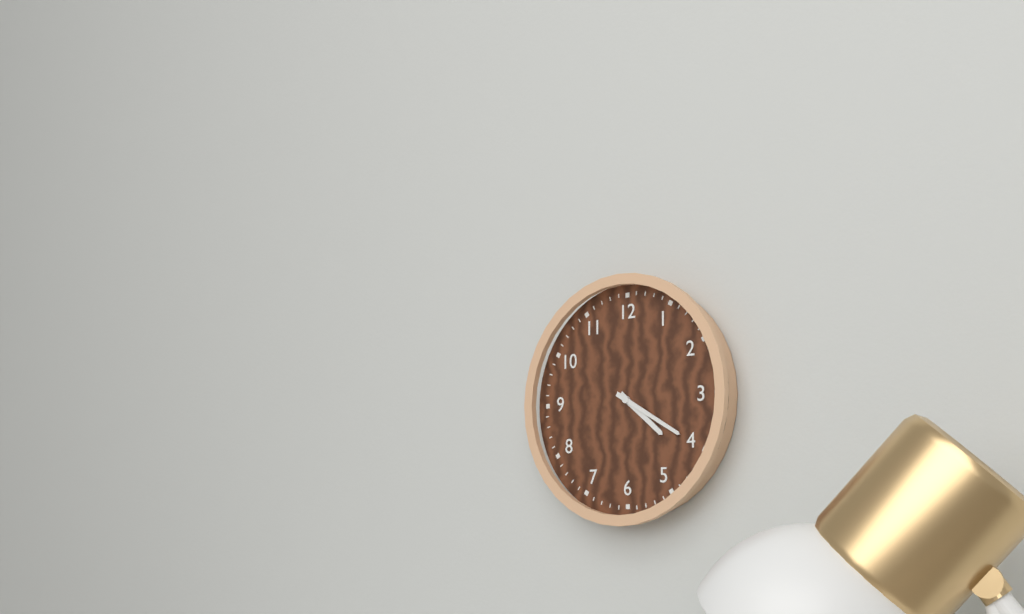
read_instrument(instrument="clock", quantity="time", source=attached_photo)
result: 4:20
